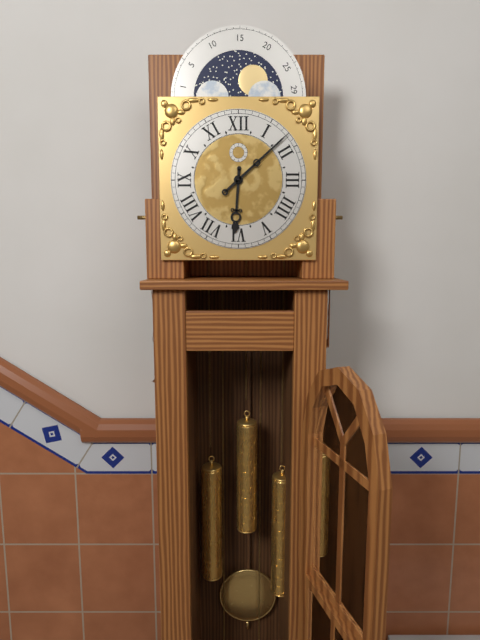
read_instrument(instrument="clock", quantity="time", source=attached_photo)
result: 6:08
